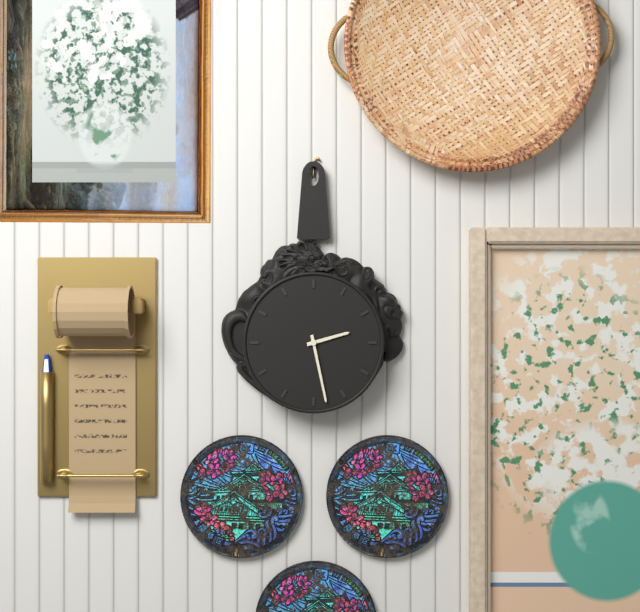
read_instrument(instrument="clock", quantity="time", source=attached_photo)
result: 2:28
